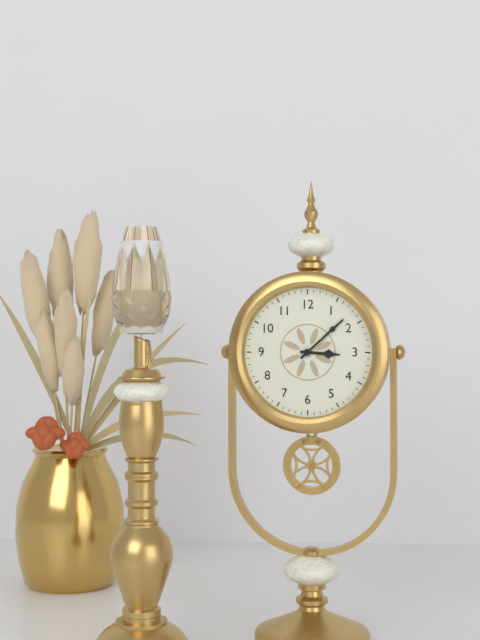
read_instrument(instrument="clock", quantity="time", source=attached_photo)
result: 3:08
